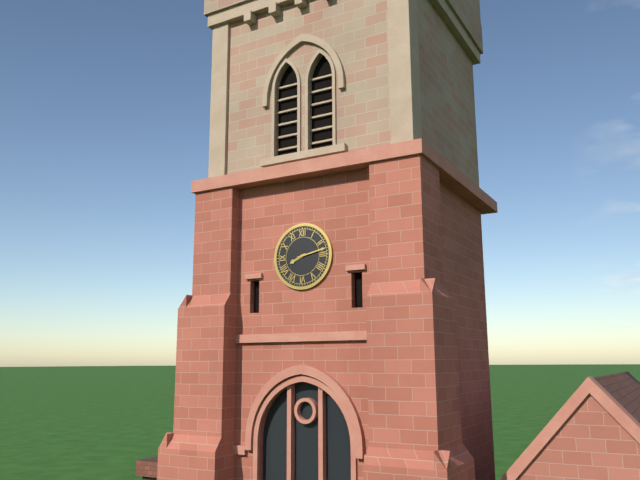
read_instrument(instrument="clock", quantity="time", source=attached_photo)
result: 8:13
